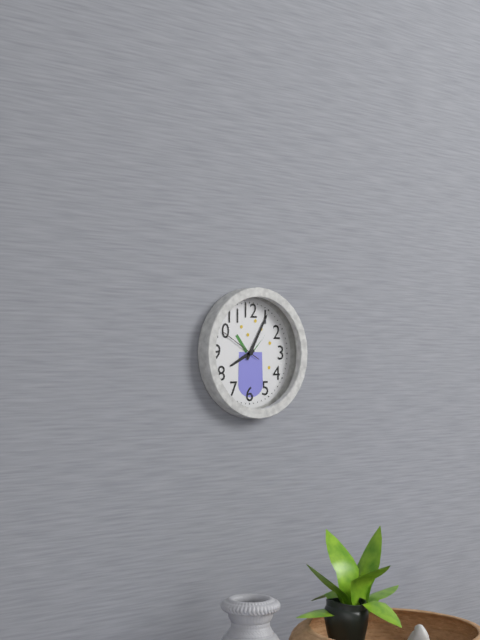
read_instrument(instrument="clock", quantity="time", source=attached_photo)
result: 8:05
